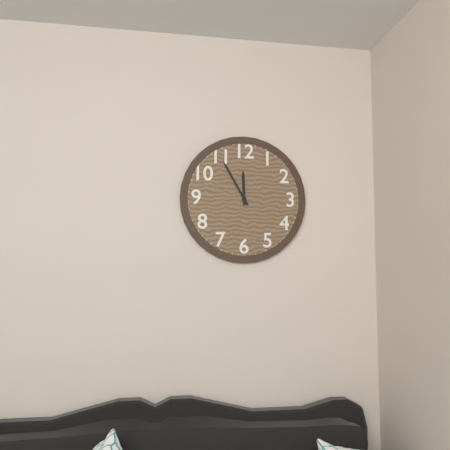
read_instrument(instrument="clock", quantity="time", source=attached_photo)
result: 11:55
